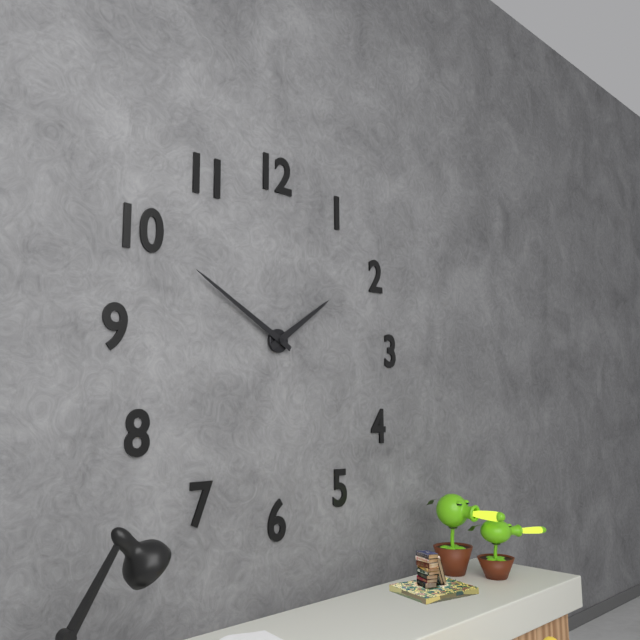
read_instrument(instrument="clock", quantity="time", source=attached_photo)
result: 1:50
